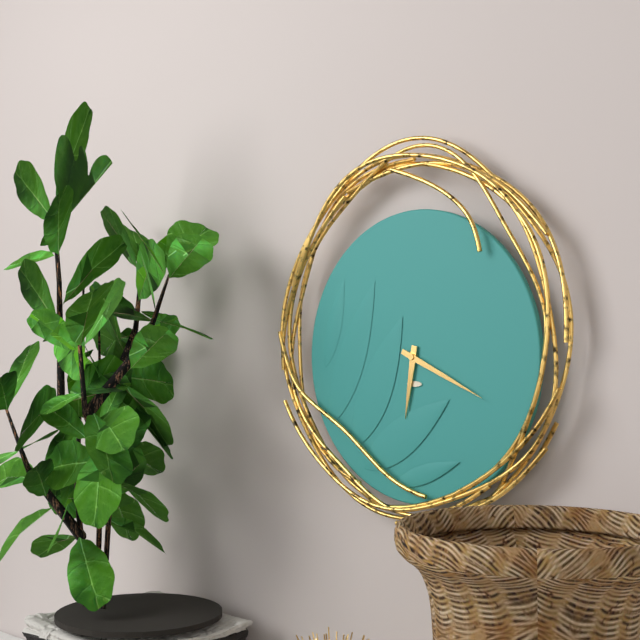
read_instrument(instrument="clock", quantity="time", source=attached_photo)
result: 6:19
